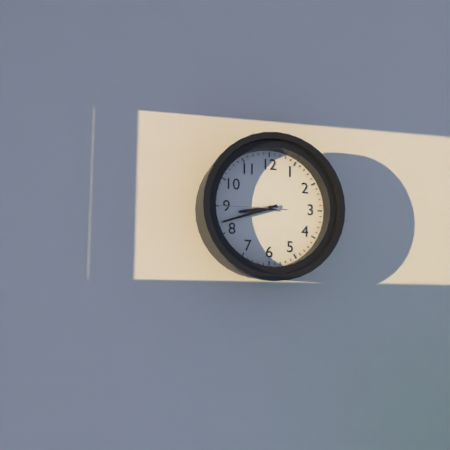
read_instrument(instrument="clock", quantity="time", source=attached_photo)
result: 8:42:45
